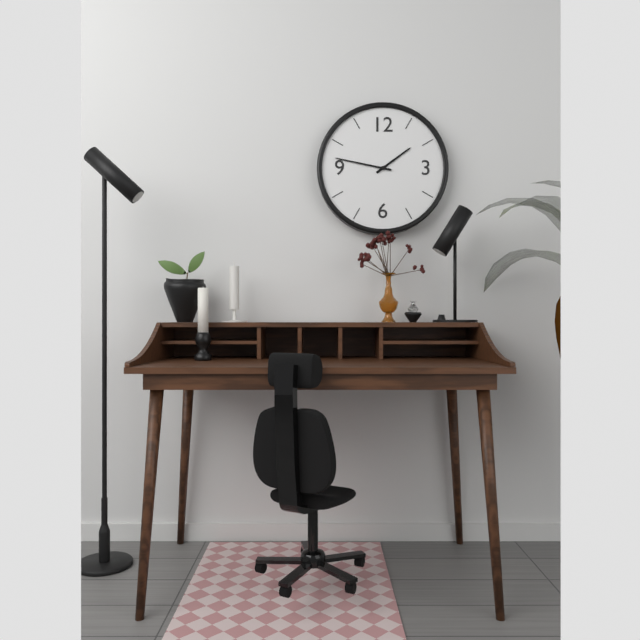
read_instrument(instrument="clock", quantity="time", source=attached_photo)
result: 1:47
